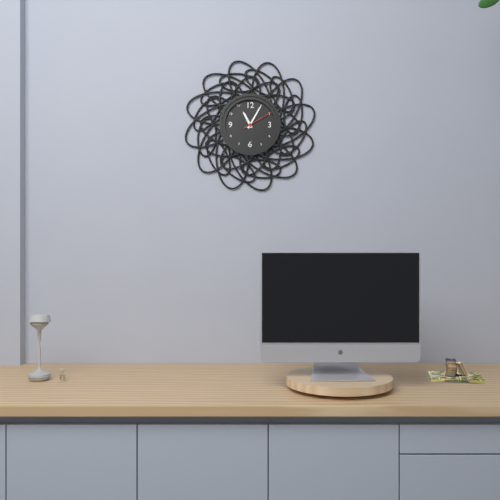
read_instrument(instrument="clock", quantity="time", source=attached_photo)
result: 11:05
